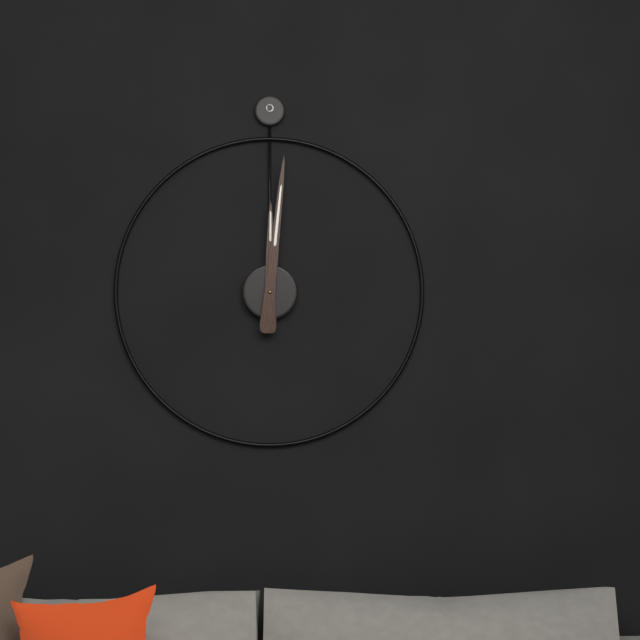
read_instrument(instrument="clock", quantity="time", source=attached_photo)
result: 12:01
